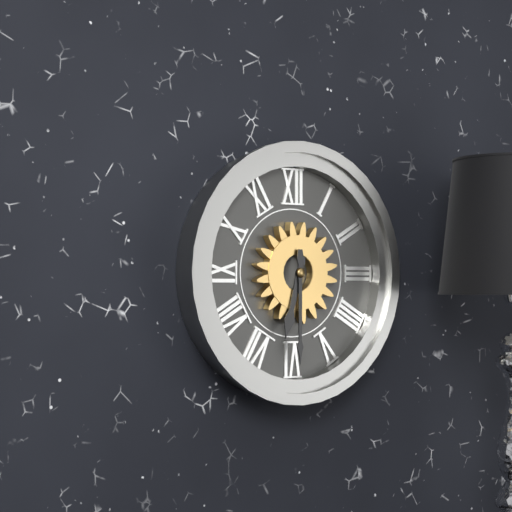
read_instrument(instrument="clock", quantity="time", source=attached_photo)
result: 6:30
